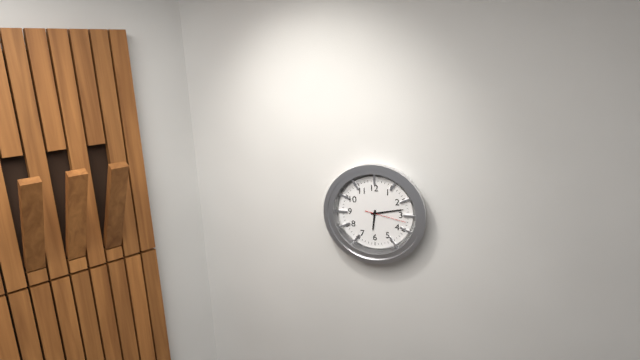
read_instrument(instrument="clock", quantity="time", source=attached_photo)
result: 6:13
